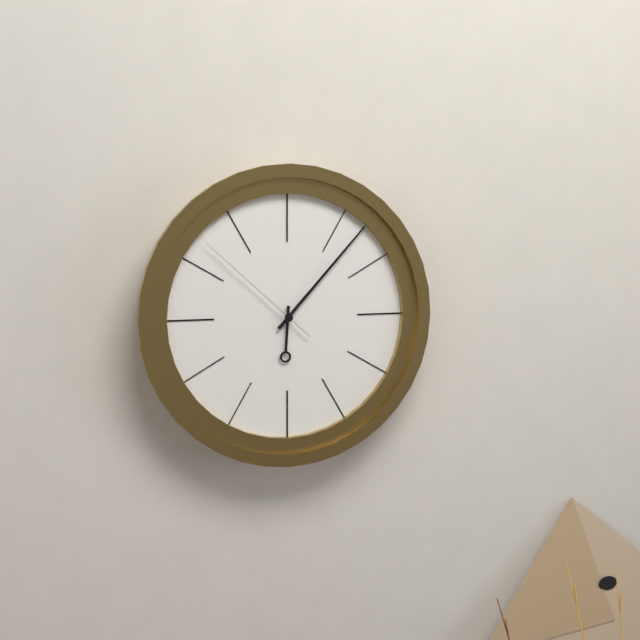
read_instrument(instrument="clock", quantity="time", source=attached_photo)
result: 6:07:52
